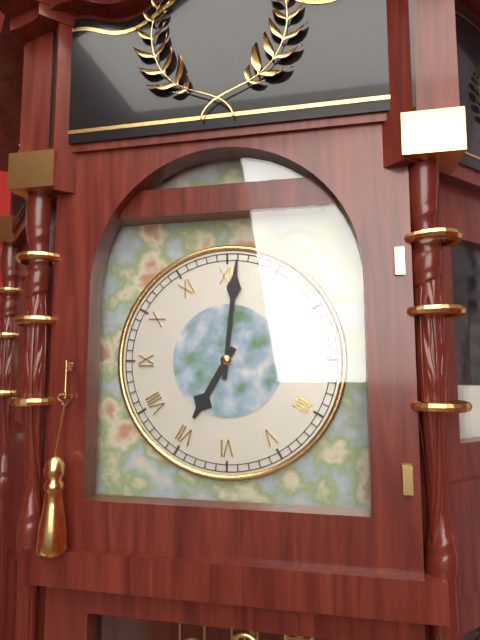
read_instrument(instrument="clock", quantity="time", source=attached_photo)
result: 7:01
